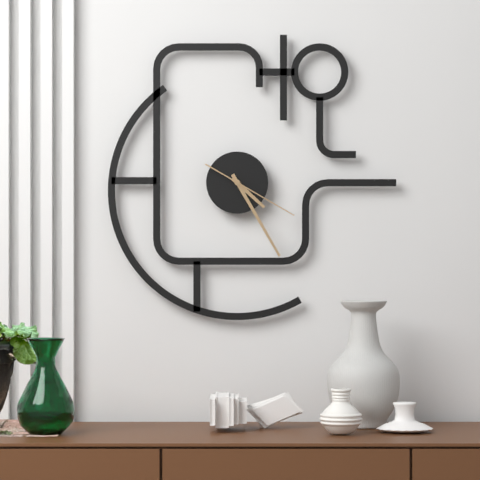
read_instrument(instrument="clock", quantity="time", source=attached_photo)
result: 4:25:20
